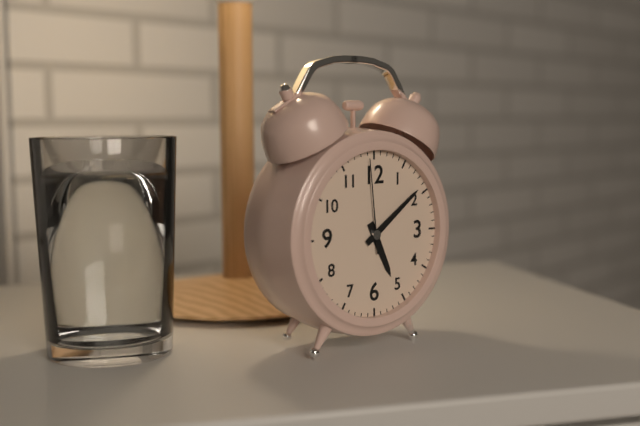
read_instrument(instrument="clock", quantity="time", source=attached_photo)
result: 5:09:59
